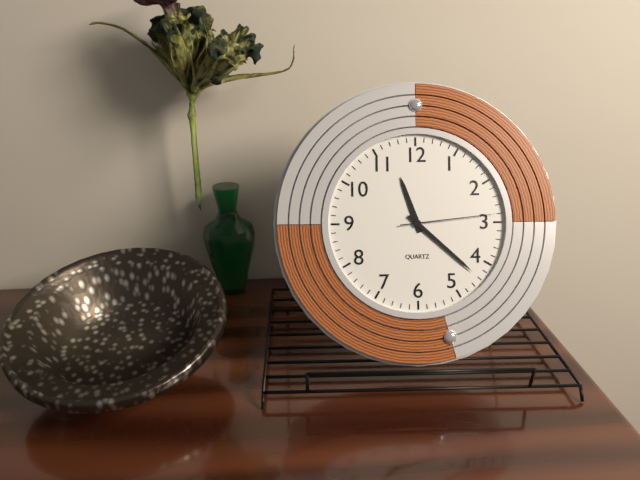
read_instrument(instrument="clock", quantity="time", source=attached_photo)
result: 11:22:14
